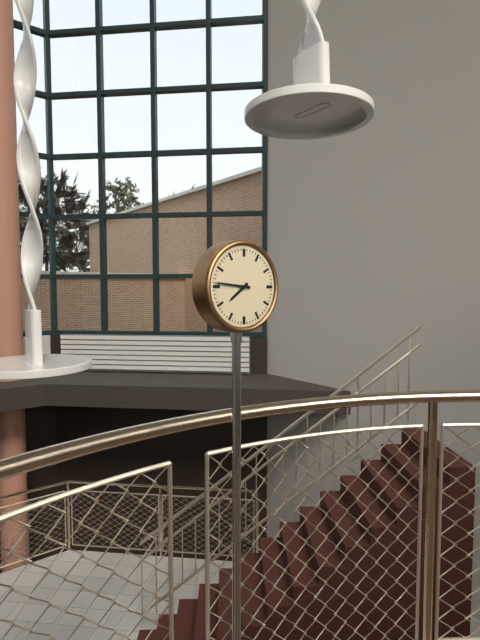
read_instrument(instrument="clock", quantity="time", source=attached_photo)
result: 7:46
